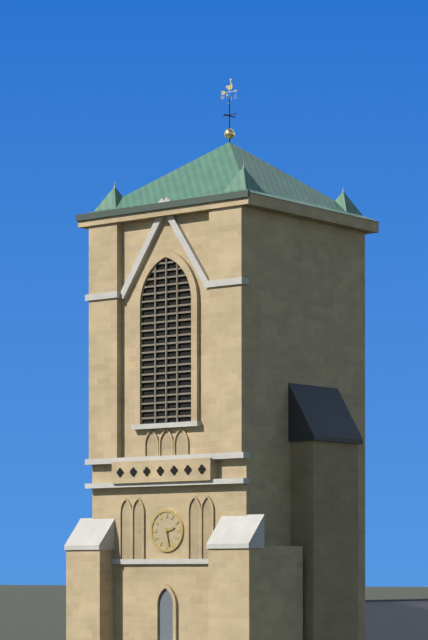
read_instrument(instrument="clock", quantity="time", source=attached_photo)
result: 2:28
